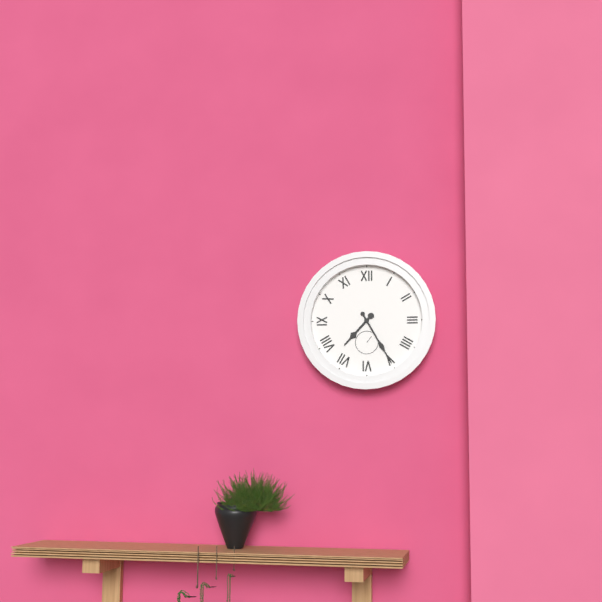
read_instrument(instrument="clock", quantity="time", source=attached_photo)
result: 7:25
